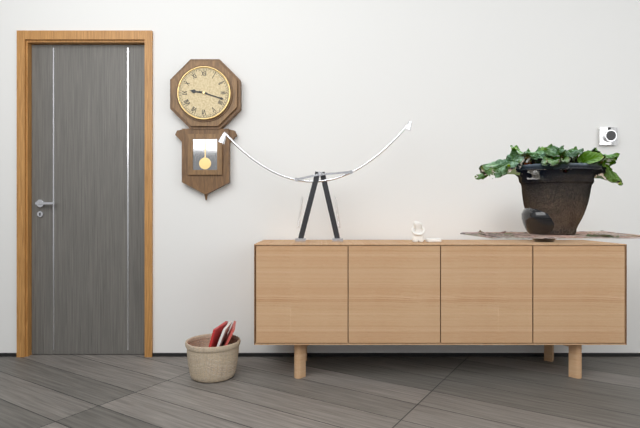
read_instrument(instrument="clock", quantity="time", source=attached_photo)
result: 9:18
